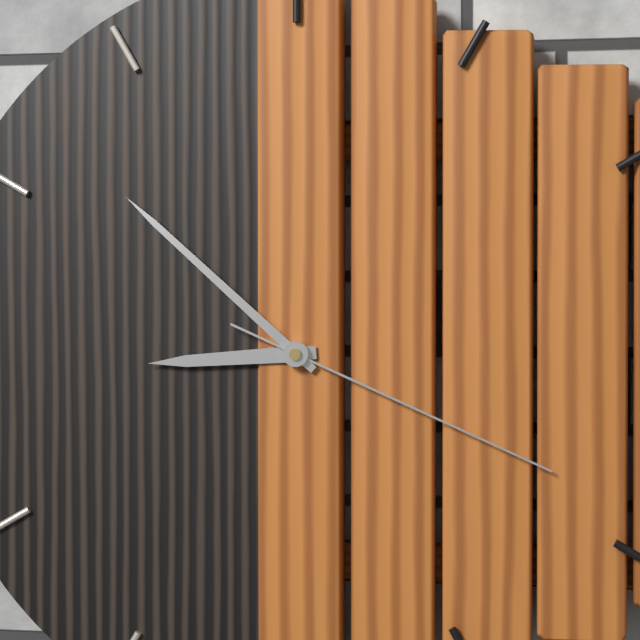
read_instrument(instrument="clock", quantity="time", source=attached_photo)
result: 8:52:19
